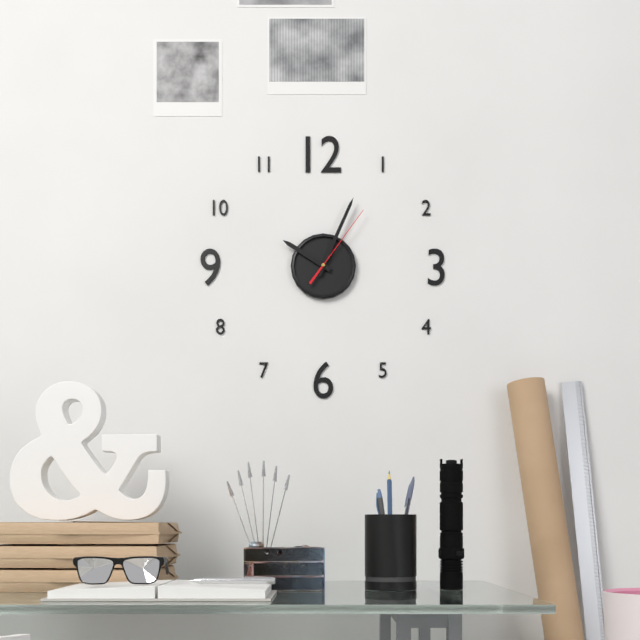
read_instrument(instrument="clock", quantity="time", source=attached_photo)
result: 10:04:06
